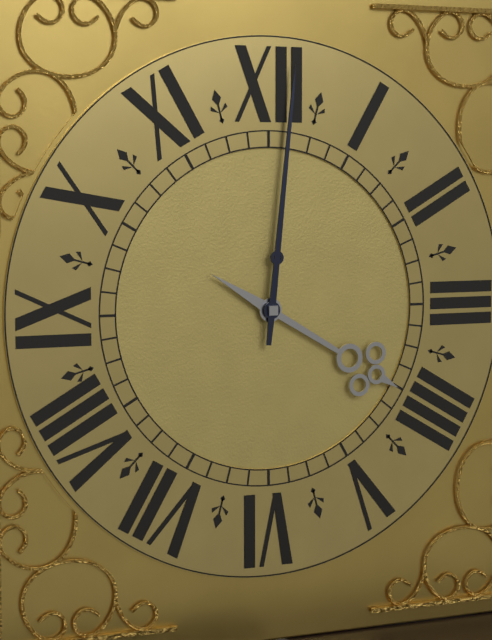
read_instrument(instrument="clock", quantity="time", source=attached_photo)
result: 4:01
